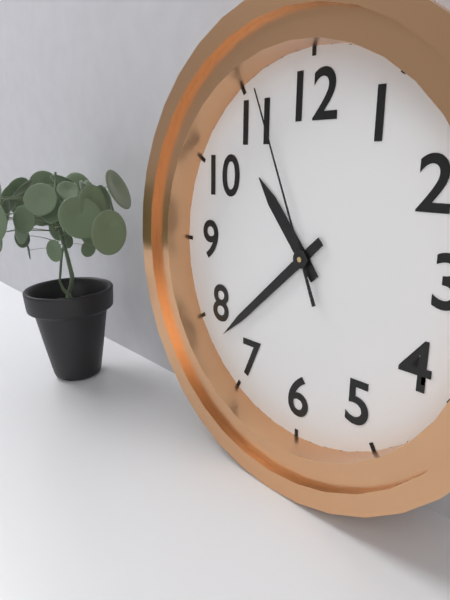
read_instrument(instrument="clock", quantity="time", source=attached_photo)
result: 10:38:56
